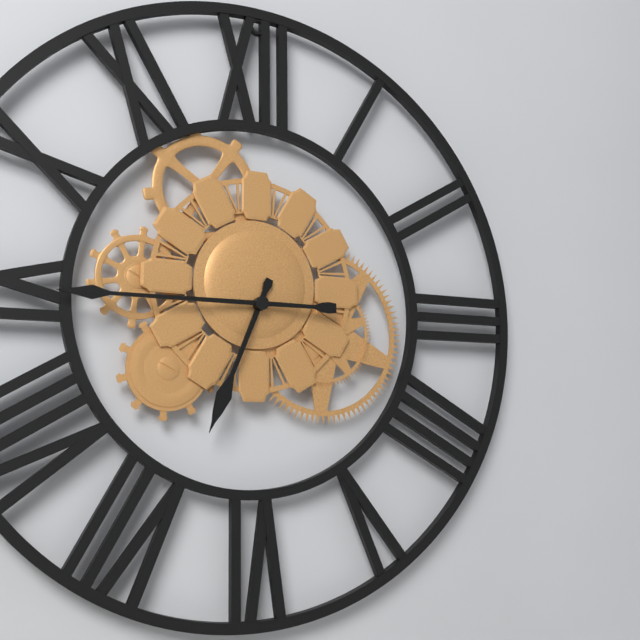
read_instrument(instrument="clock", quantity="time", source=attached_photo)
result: 6:45
